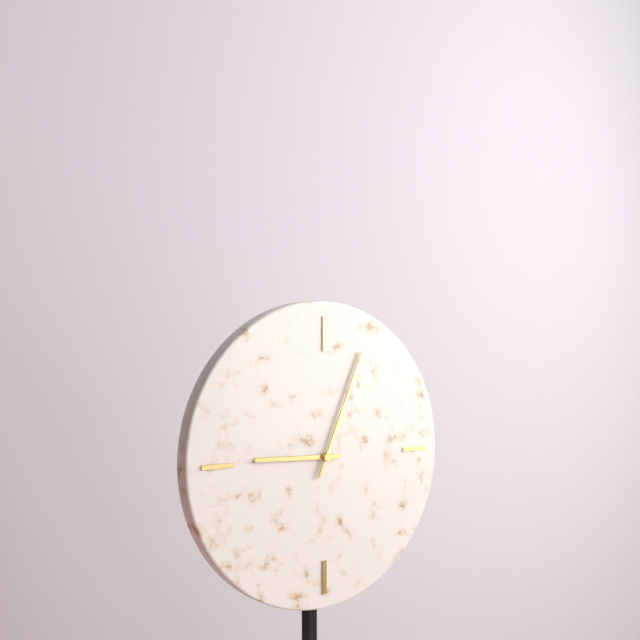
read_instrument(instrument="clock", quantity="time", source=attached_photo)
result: 9:04
